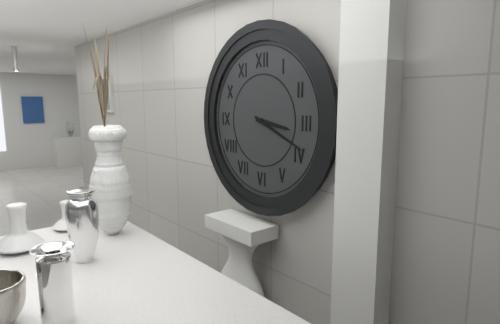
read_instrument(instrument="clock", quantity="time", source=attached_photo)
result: 3:19
